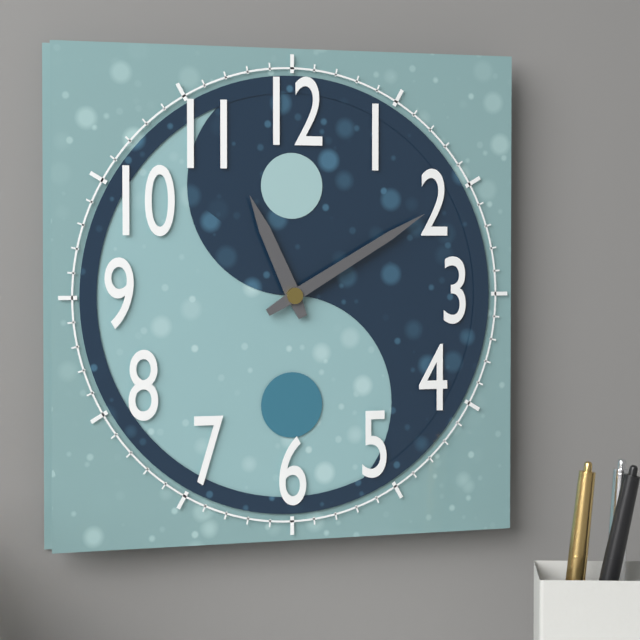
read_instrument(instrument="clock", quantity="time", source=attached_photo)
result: 11:10
